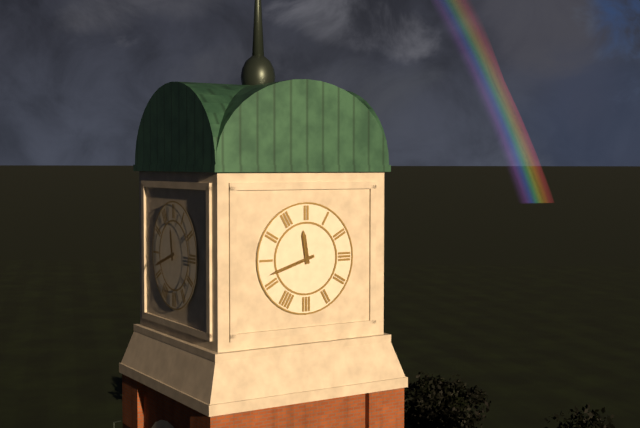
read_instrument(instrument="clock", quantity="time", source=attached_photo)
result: 11:42
